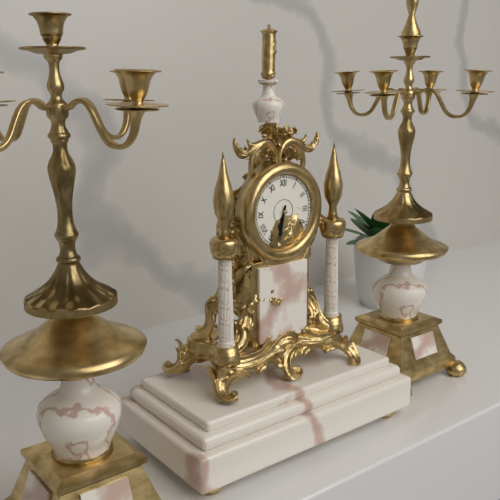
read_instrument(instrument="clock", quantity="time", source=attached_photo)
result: 6:32
